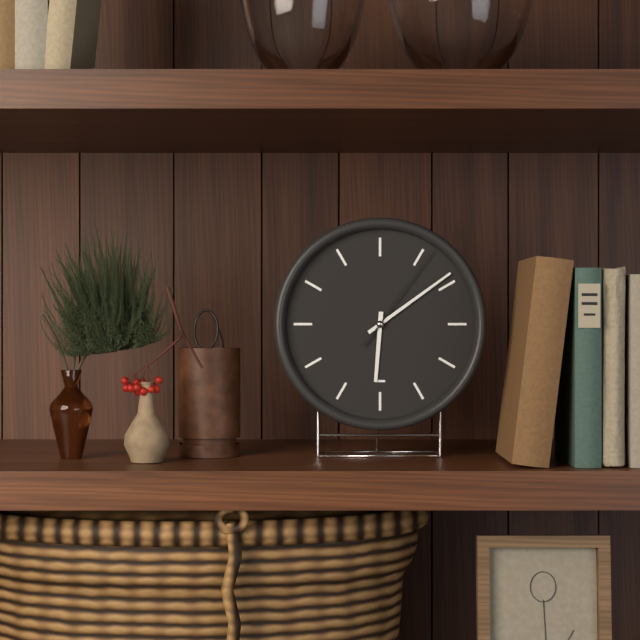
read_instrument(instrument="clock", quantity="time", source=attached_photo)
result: 6:09:06
